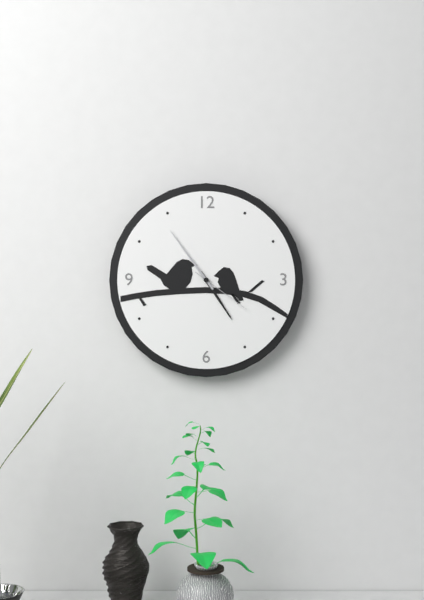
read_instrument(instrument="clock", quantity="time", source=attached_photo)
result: 4:54:21
